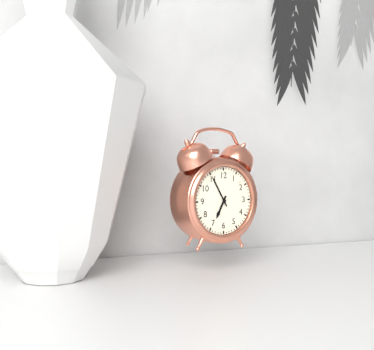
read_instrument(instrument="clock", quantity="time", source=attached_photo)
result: 6:55
